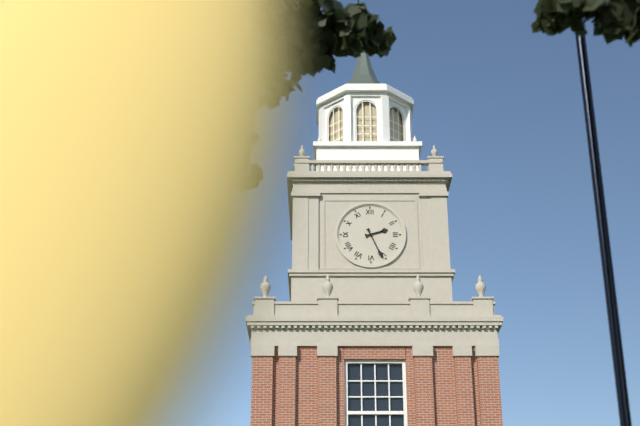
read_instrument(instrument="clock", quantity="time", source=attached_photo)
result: 2:26
